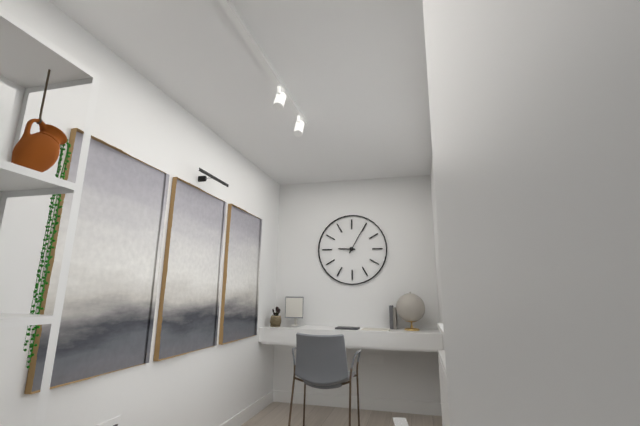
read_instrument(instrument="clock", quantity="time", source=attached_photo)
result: 9:05
